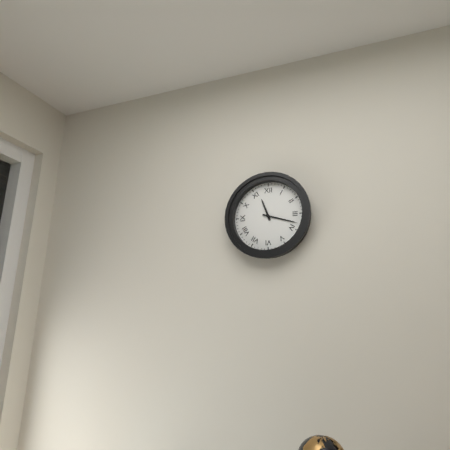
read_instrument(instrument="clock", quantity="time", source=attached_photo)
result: 11:18
